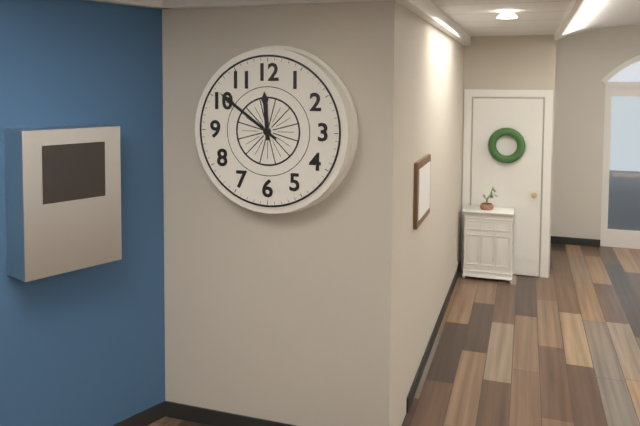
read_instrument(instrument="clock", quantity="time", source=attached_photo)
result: 11:51
